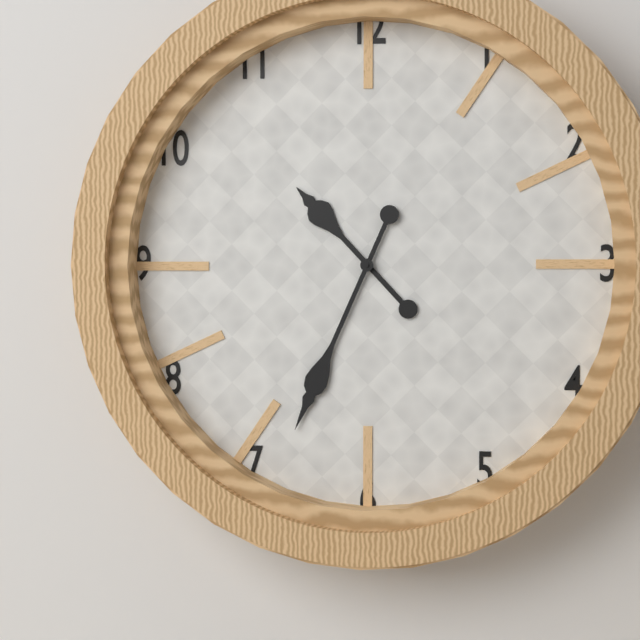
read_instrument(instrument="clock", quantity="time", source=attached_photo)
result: 10:34
